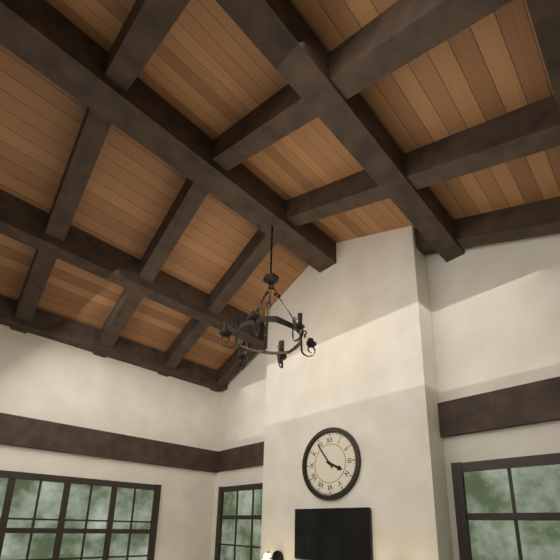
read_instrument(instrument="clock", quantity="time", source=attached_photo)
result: 3:54
